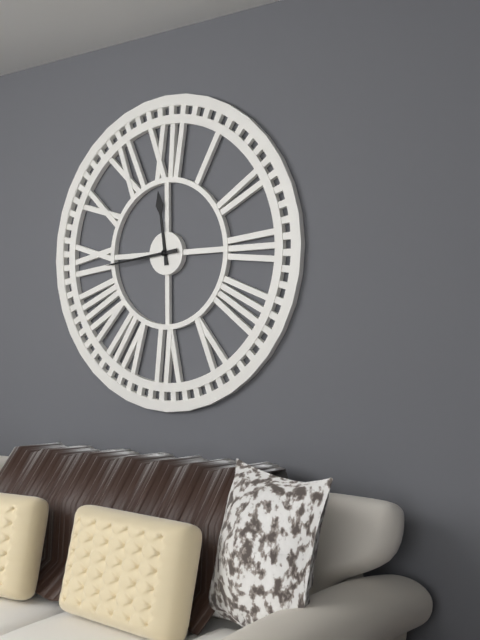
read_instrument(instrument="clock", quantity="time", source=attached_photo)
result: 11:44
